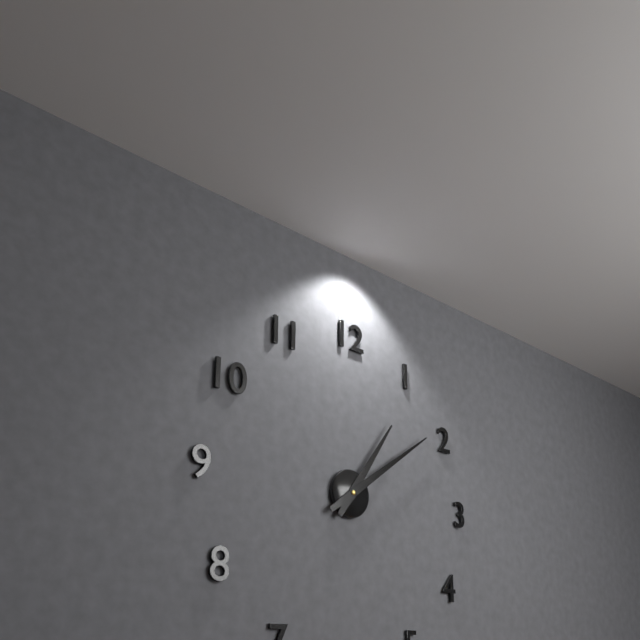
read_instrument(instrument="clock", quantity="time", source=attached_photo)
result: 1:09
